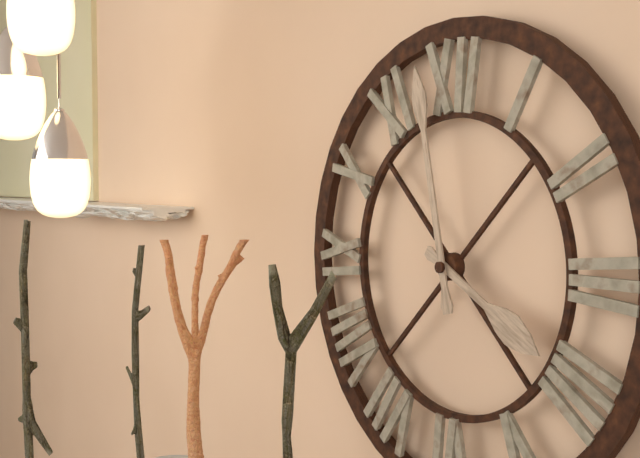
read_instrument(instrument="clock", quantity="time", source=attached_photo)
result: 3:58
